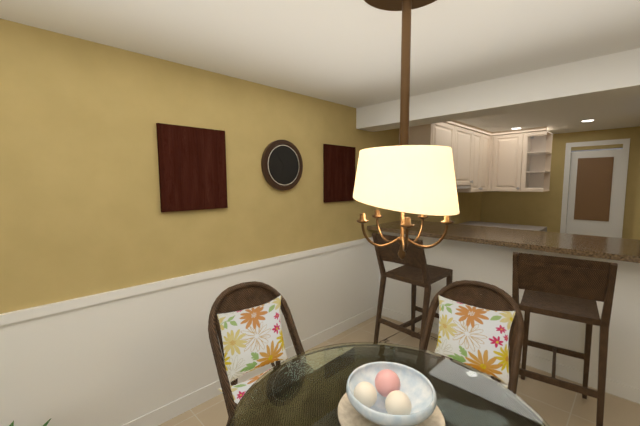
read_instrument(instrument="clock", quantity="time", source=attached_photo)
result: 6:53
